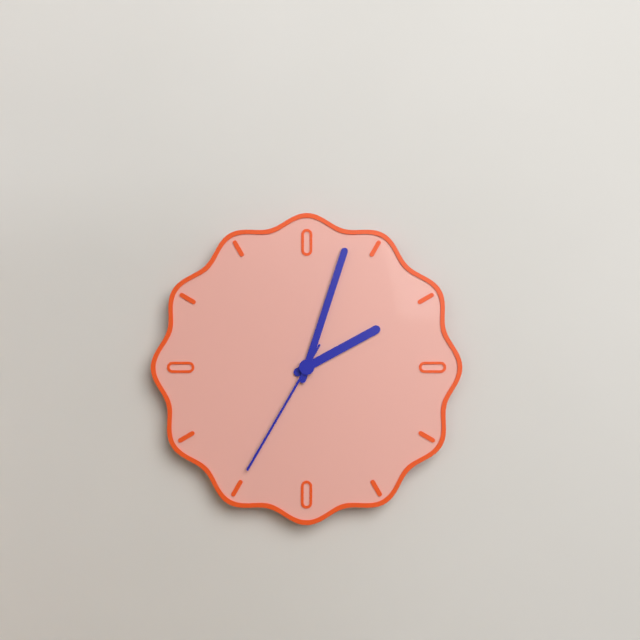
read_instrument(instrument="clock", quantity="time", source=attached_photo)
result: 2:03:35
